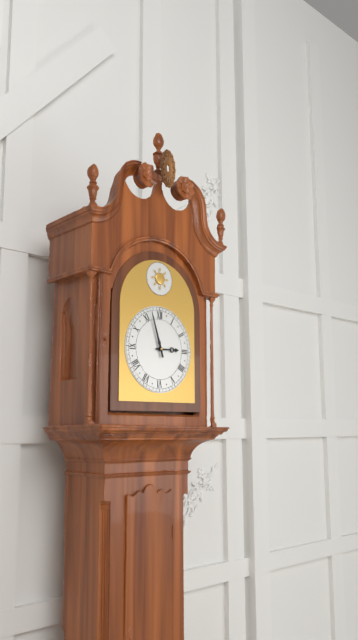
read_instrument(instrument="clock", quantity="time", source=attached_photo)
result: 2:57
